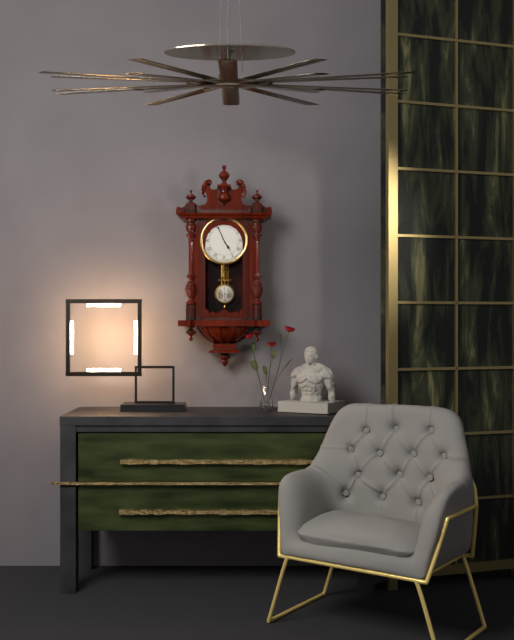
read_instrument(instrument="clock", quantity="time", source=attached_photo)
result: 4:56
